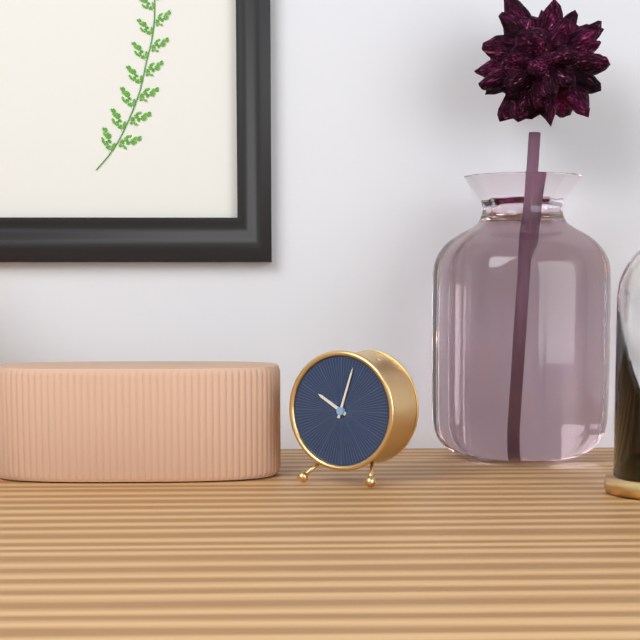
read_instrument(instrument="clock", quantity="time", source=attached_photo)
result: 10:03
